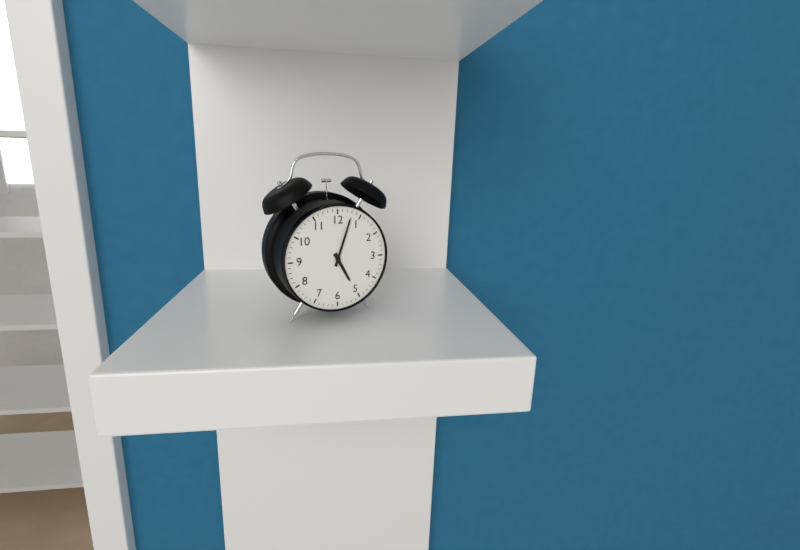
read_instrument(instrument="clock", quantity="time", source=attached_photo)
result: 5:03
